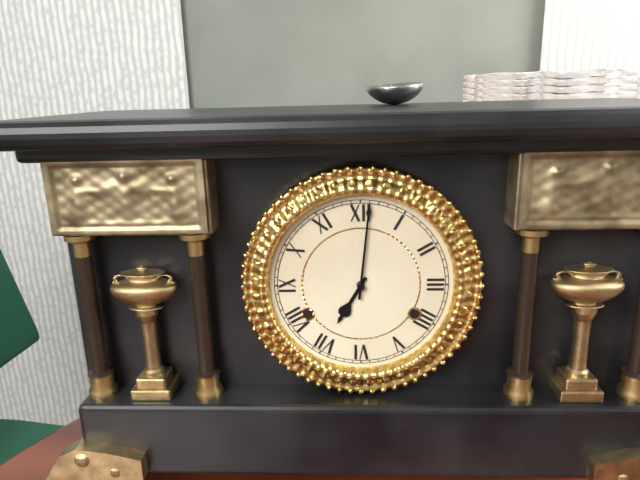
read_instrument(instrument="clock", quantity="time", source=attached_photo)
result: 7:01
